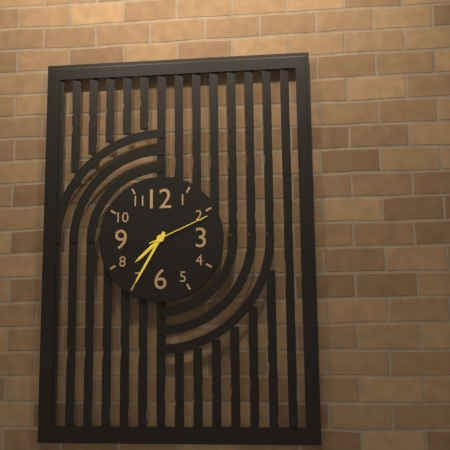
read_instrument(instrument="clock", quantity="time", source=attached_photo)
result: 7:35:11
